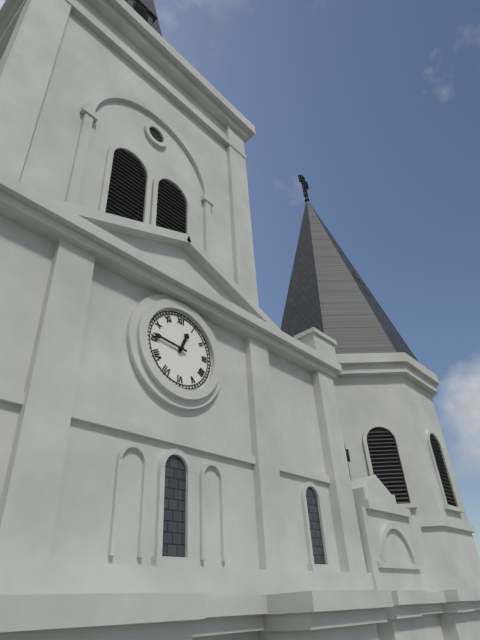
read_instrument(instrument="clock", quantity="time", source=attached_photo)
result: 12:46
